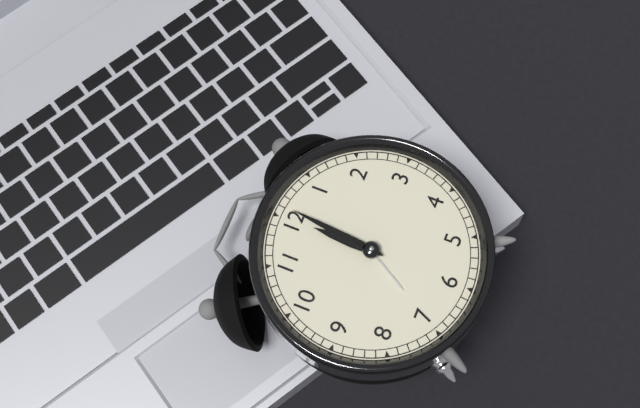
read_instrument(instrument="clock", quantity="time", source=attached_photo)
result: 12:01
